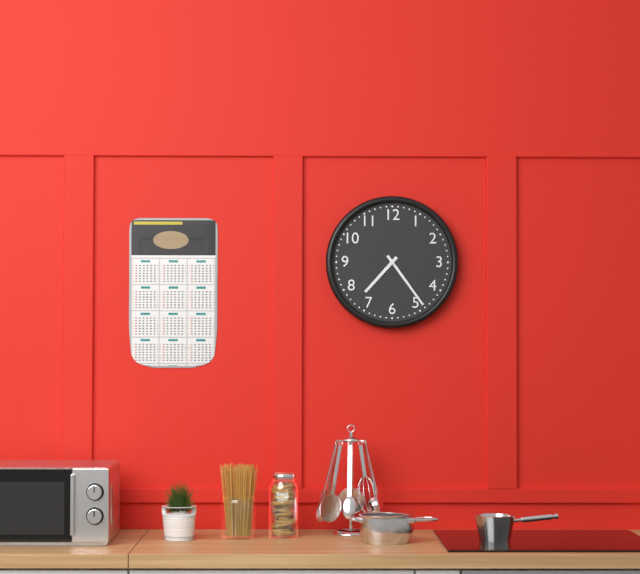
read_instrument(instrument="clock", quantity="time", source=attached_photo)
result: 7:24
